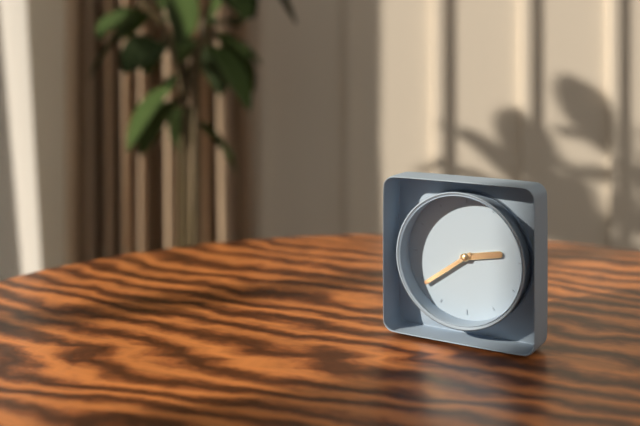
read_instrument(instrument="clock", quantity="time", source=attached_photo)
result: 2:39
